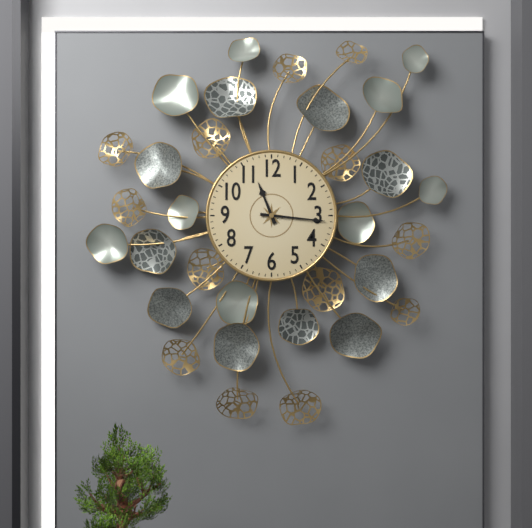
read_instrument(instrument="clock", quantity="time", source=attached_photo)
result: 11:16
